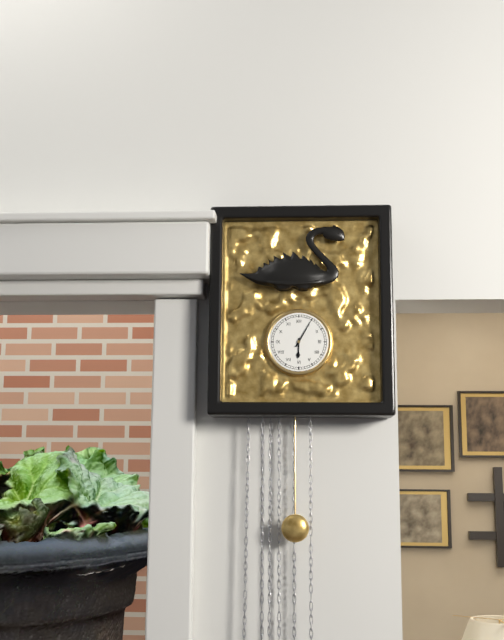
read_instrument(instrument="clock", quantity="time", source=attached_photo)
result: 6:05
